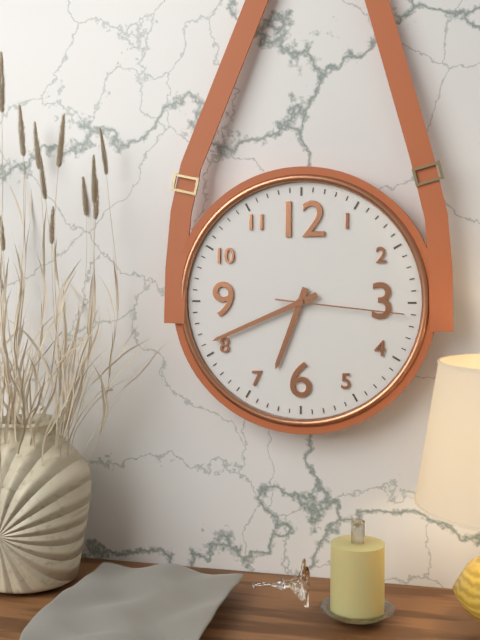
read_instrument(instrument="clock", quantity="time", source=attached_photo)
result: 6:41:16
